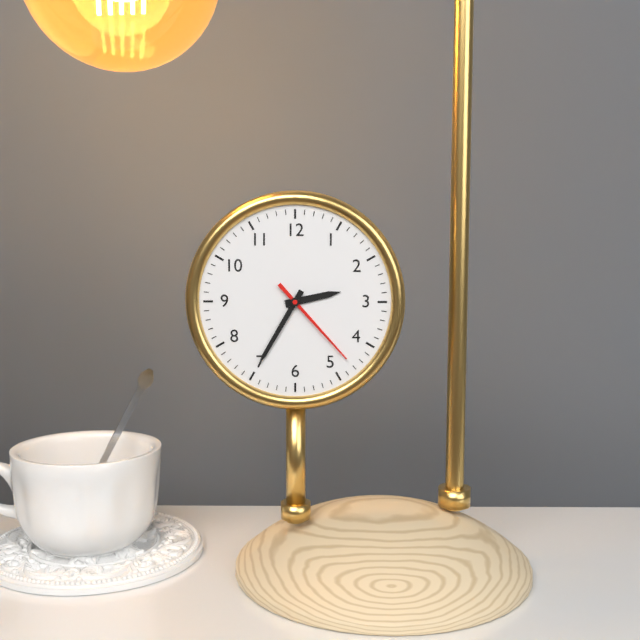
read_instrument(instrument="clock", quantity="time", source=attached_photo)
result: 2:35:23
